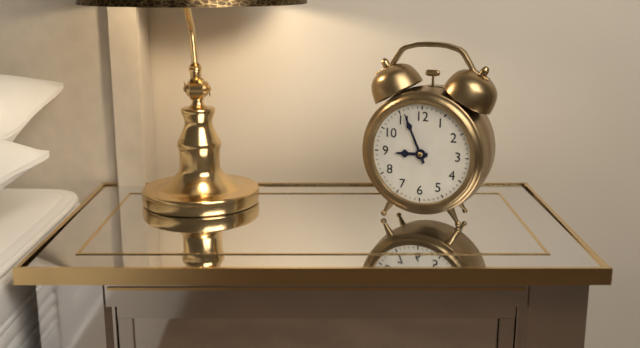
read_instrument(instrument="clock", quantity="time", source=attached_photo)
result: 8:56
